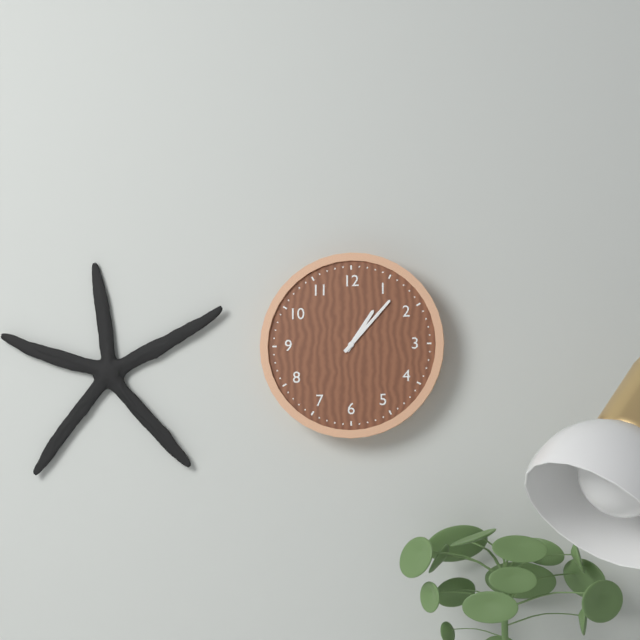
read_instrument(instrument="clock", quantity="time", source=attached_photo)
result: 1:07
